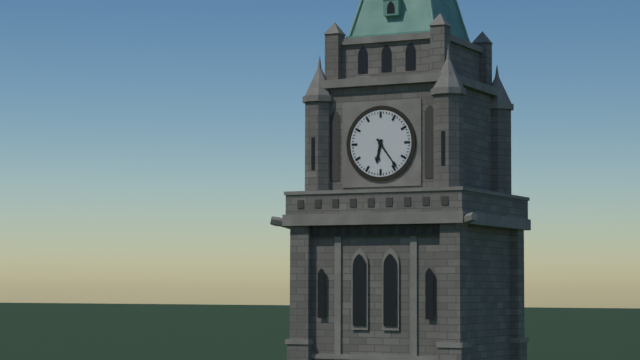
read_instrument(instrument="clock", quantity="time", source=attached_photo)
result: 6:24
